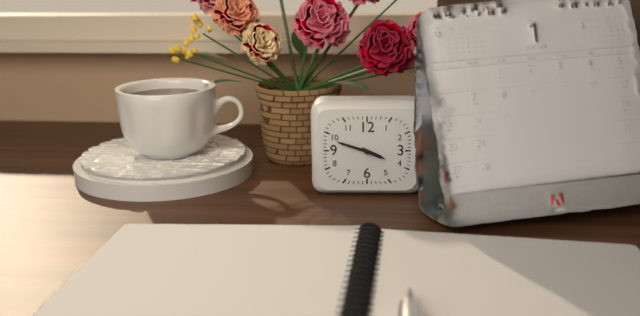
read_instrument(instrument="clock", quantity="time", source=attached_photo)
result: 3:48
